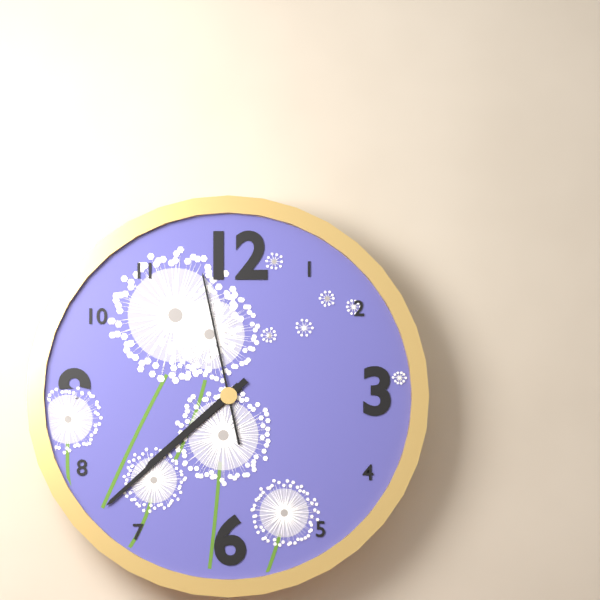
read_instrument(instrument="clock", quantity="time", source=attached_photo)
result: 7:38:58
